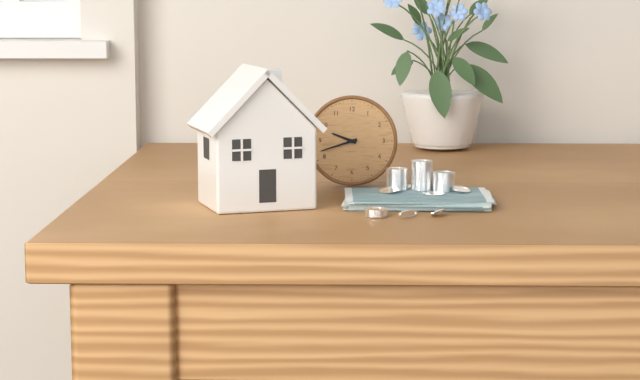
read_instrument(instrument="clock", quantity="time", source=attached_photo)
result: 9:42
